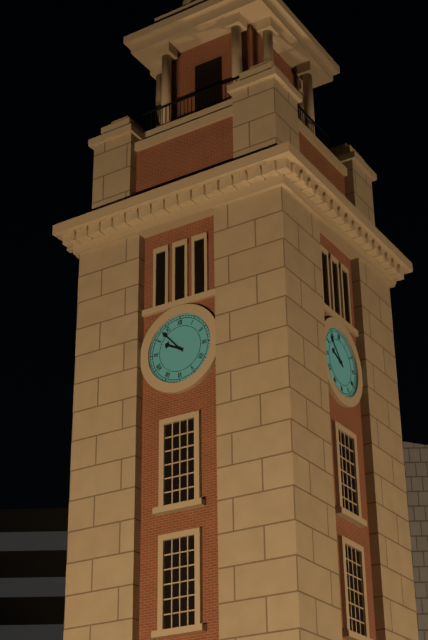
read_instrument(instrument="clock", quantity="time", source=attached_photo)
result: 9:53
